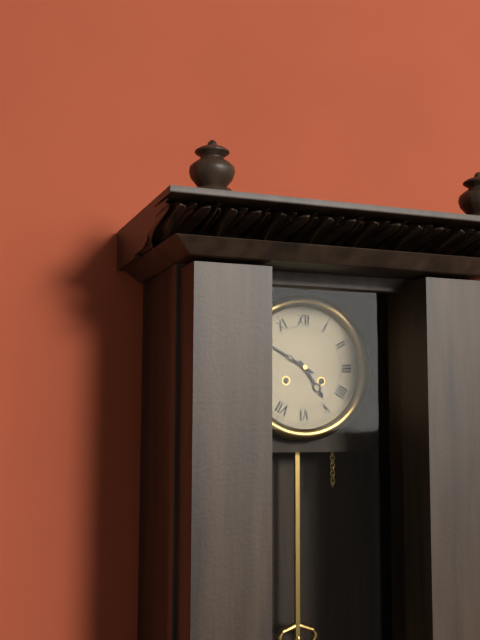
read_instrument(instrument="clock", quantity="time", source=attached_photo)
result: 4:50
